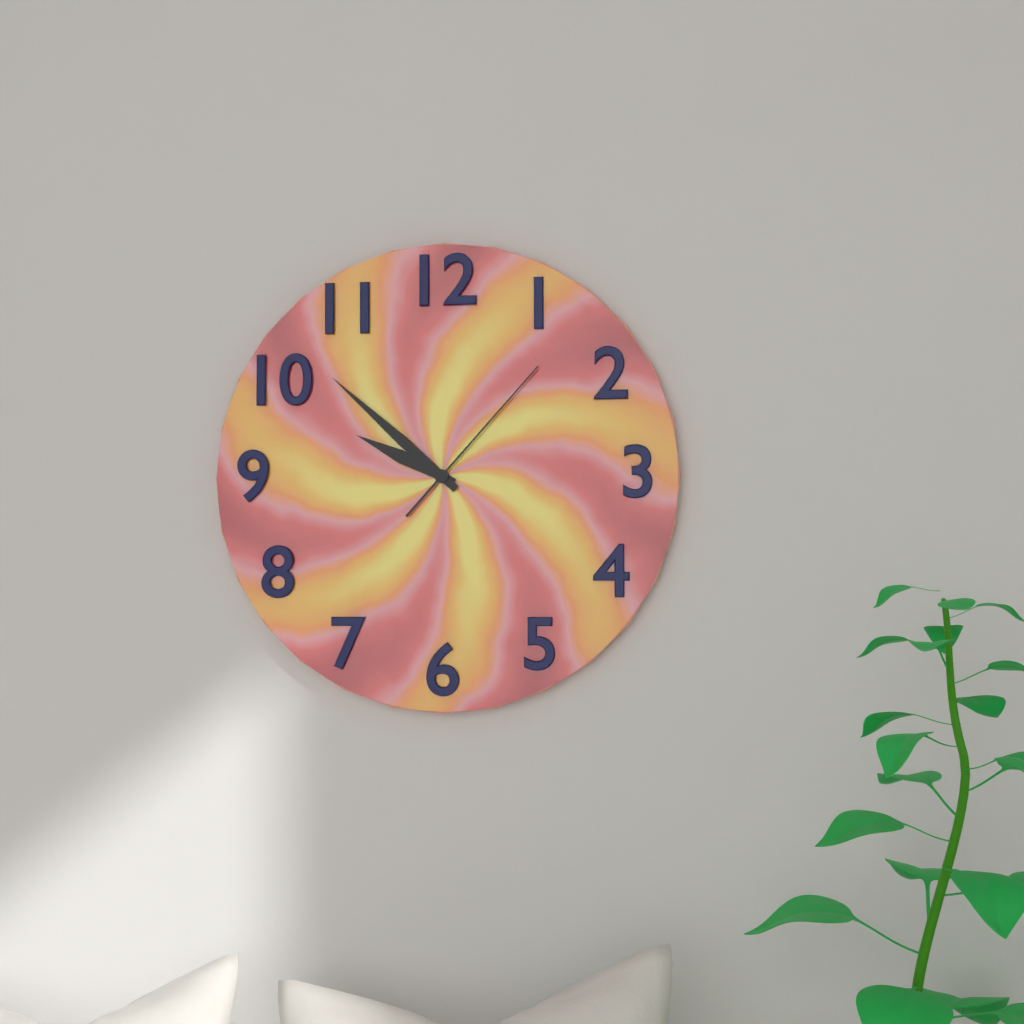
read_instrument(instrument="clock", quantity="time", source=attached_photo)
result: 9:52:07
